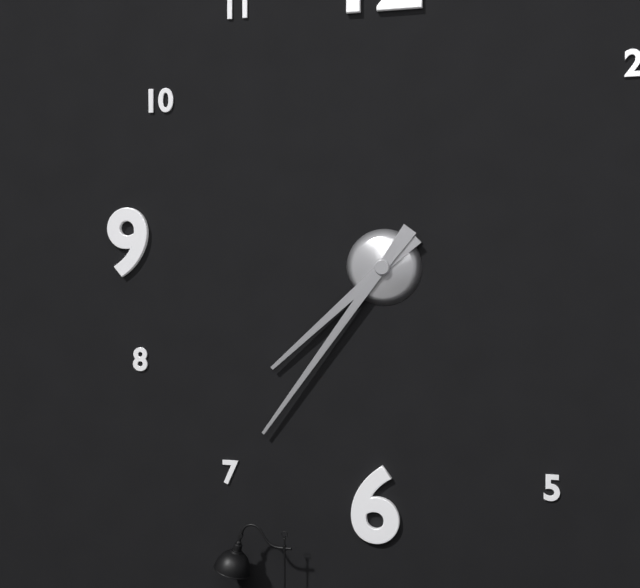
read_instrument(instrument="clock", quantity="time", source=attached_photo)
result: 7:36
